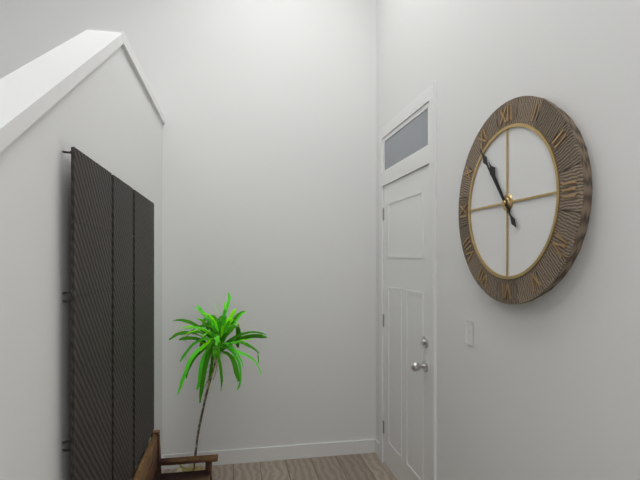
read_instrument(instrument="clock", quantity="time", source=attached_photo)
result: 10:54
